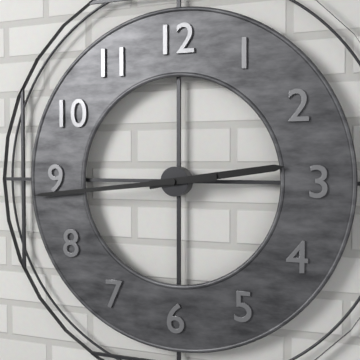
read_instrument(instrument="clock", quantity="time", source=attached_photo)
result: 2:44
